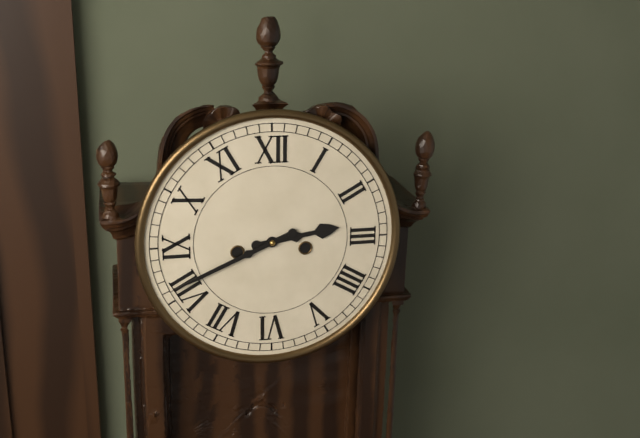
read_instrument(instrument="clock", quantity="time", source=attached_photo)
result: 2:41
